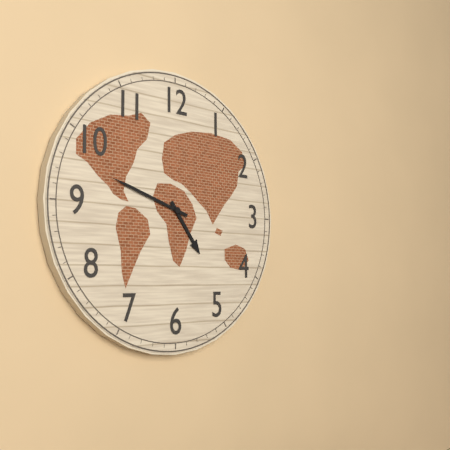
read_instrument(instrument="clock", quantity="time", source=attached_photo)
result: 4:48
